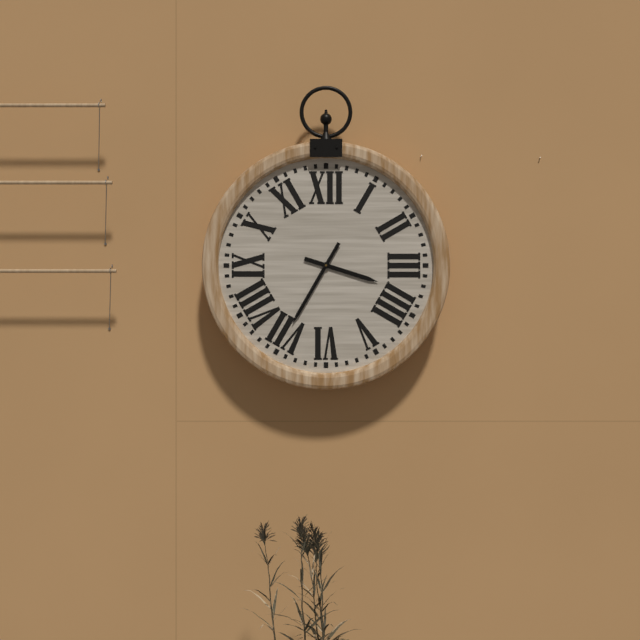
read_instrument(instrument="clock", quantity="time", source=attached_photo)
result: 3:35
